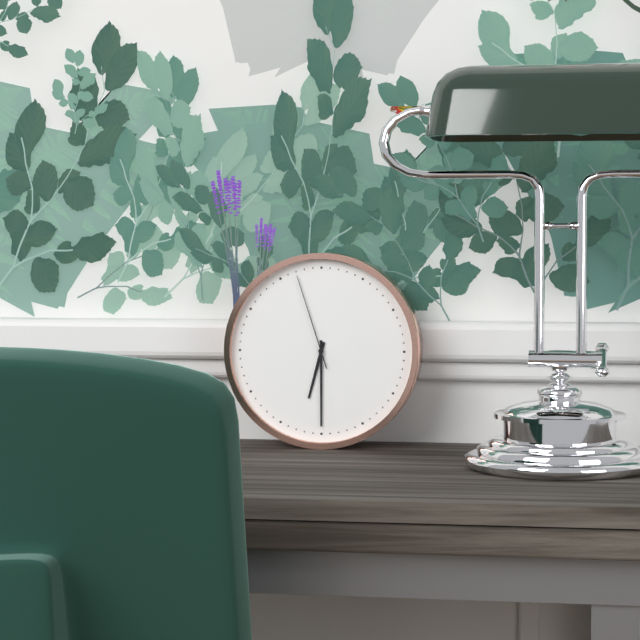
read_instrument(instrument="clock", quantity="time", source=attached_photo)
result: 6:30:57
